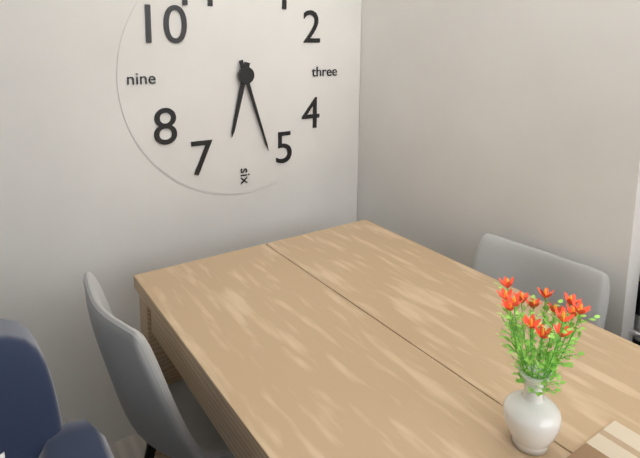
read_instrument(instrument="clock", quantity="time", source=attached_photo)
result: 6:27
